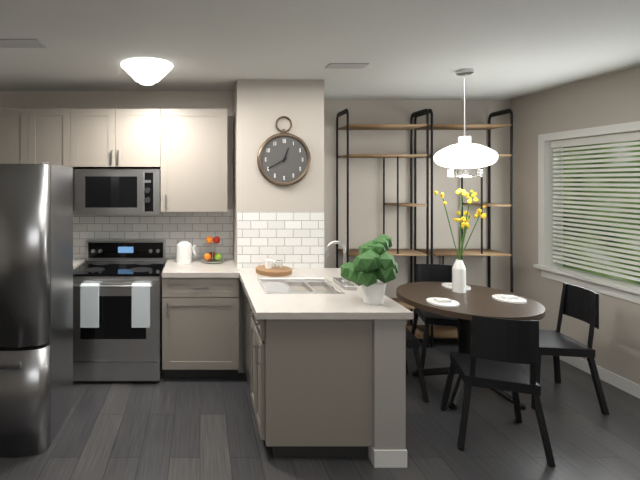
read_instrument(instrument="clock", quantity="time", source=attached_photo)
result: 12:40
